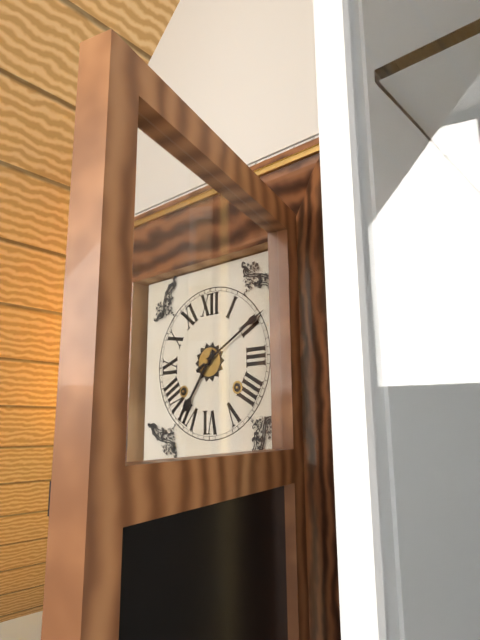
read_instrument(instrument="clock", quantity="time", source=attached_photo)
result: 7:10
